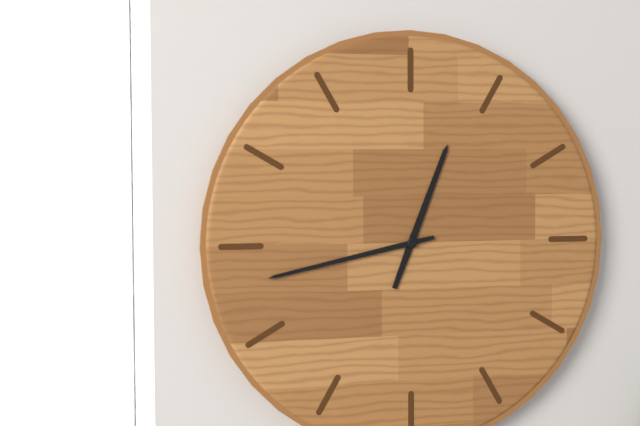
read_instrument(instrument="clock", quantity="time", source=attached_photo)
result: 12:43
